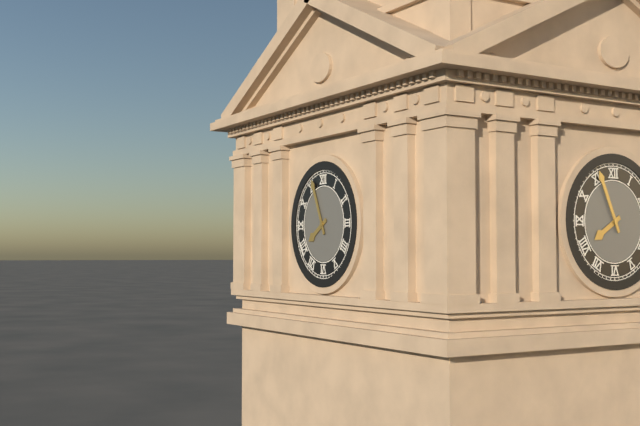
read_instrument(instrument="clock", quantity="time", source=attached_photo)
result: 7:56
